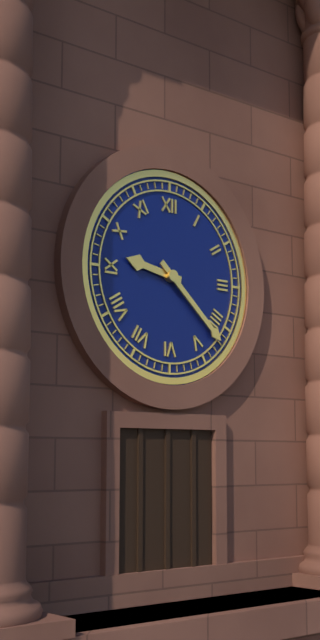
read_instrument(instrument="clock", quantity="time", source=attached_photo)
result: 9:22
